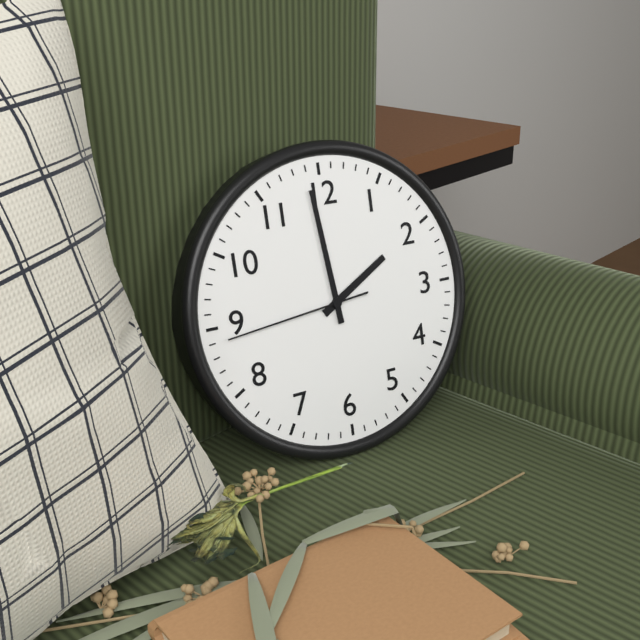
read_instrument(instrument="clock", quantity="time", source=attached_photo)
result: 1:59:44
